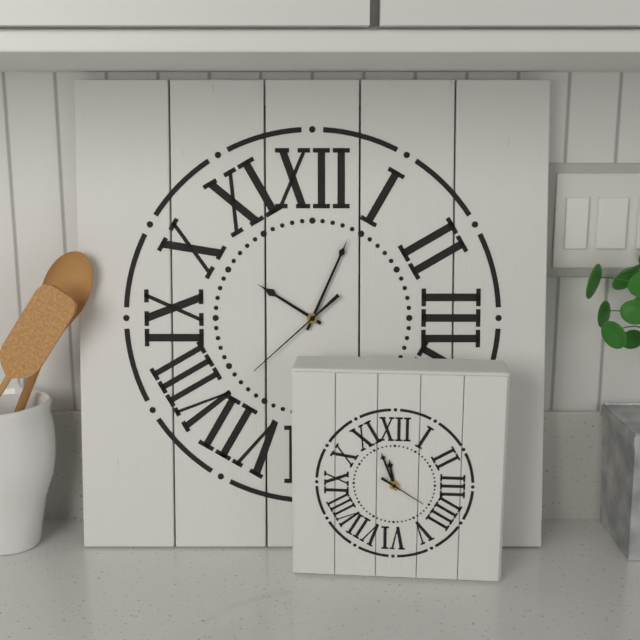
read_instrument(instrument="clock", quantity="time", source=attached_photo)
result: 10:04:38
